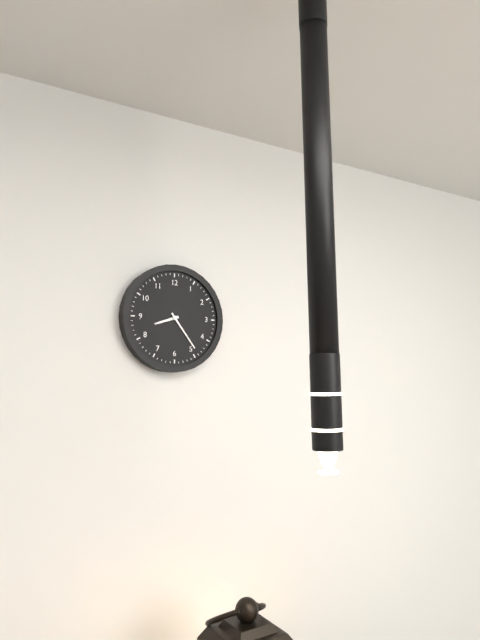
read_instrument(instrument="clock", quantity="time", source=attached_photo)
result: 8:24
